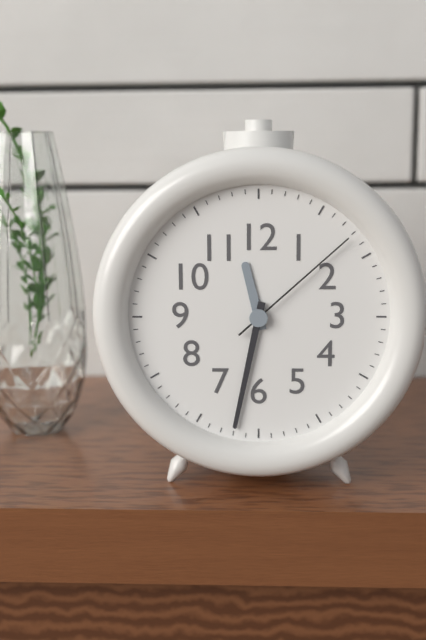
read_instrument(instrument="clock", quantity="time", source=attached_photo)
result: 11:32:08
